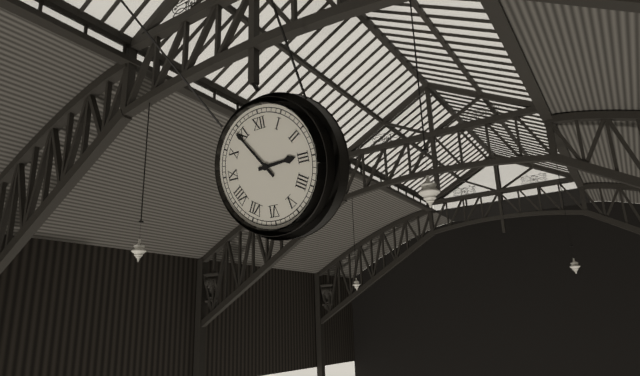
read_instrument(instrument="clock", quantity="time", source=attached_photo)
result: 2:54
